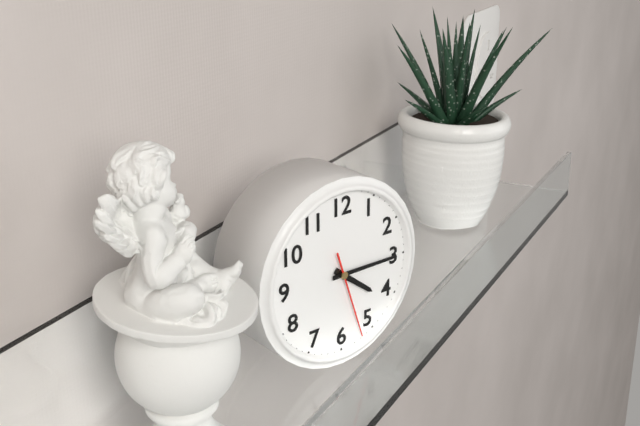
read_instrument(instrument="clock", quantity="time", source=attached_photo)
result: 4:15:27
